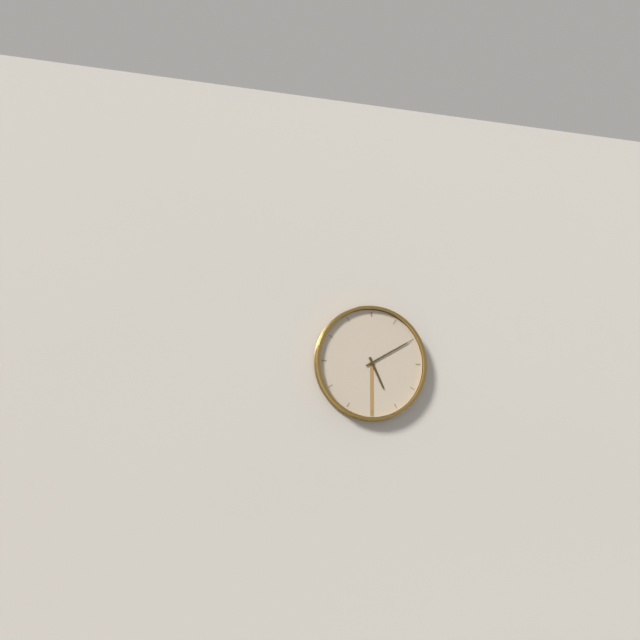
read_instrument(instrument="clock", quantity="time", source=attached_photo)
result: 5:10
